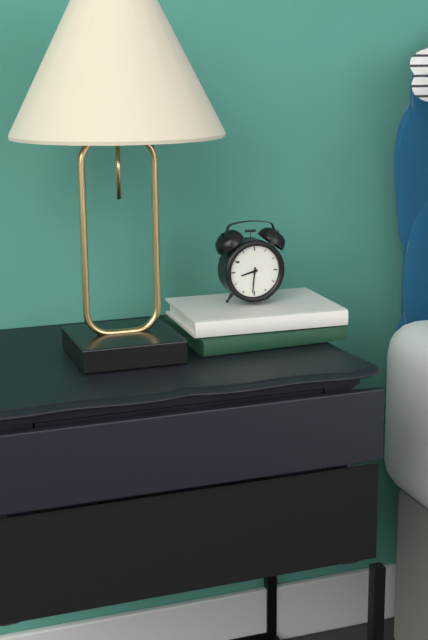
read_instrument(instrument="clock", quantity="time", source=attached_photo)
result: 8:31
